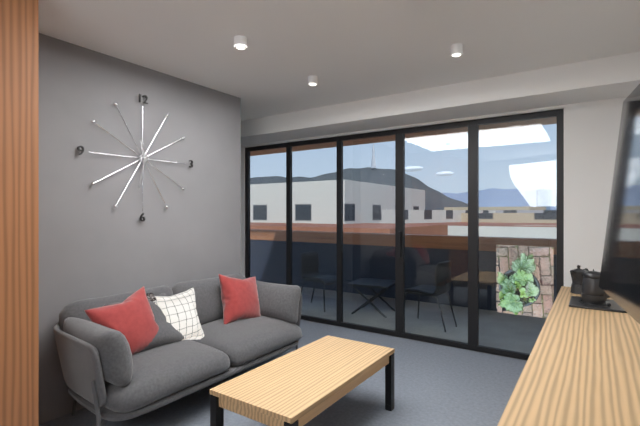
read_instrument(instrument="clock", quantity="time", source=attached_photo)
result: 11:32
